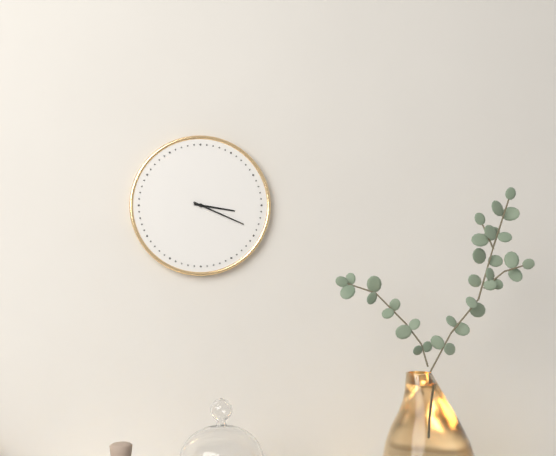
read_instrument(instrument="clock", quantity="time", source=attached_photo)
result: 3:19
